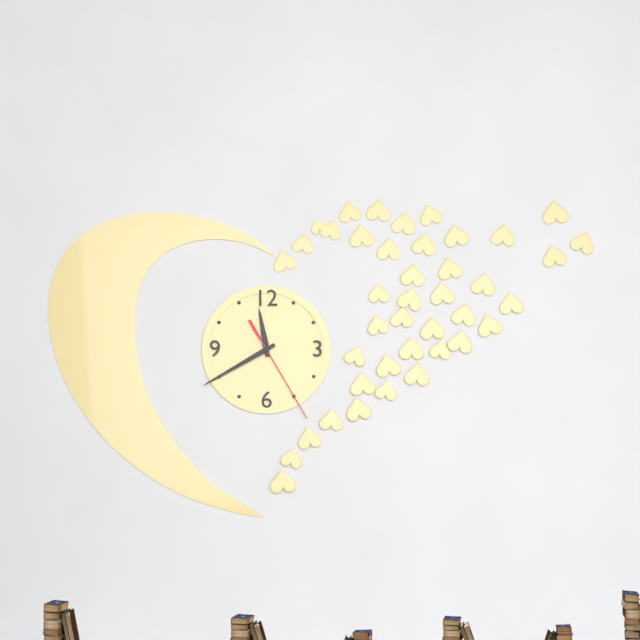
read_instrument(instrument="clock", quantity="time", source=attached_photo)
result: 11:40:25
